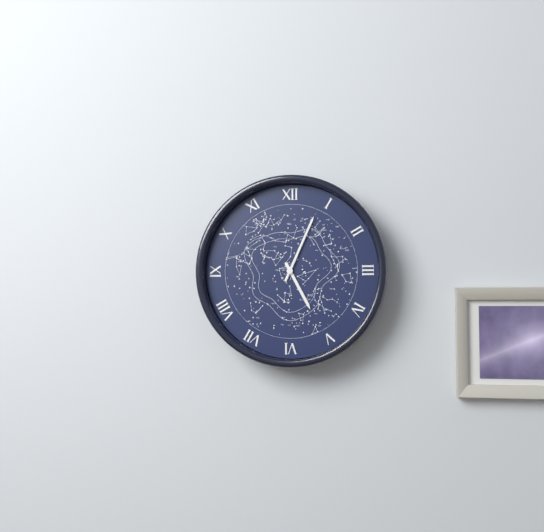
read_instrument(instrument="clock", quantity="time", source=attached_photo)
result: 5:04
